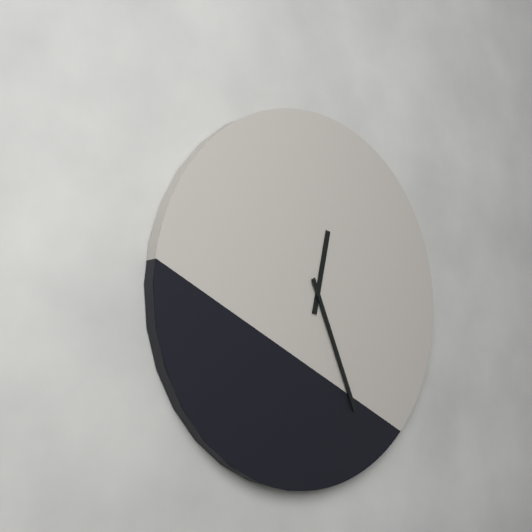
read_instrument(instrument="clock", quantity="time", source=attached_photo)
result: 12:26
